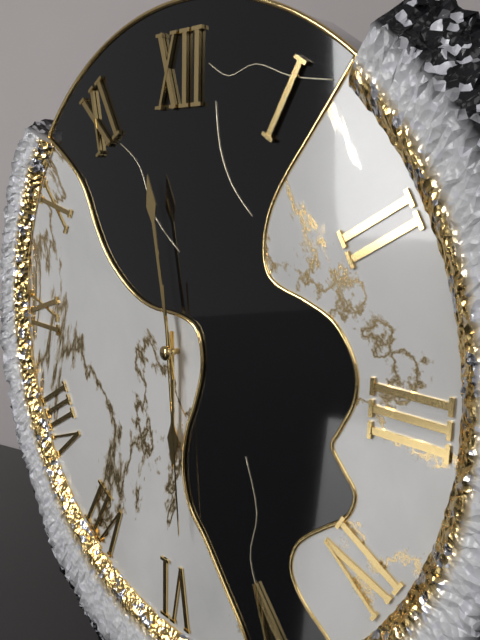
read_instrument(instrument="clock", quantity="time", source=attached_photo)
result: 5:58:29
